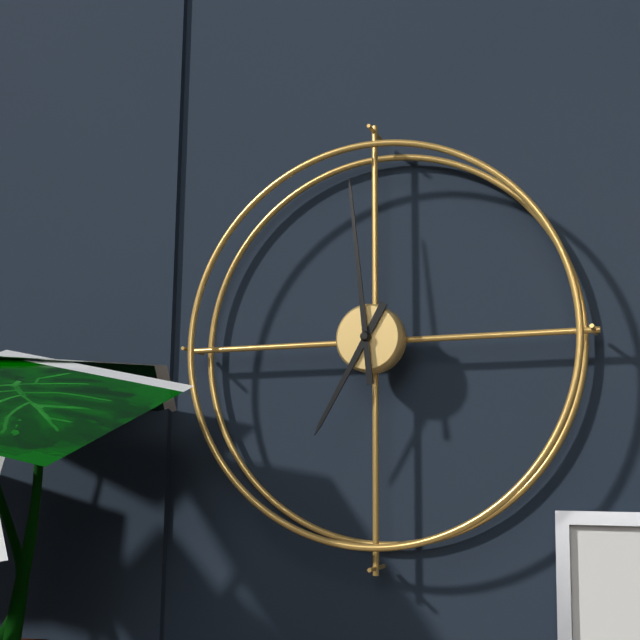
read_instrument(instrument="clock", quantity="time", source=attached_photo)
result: 6:59
